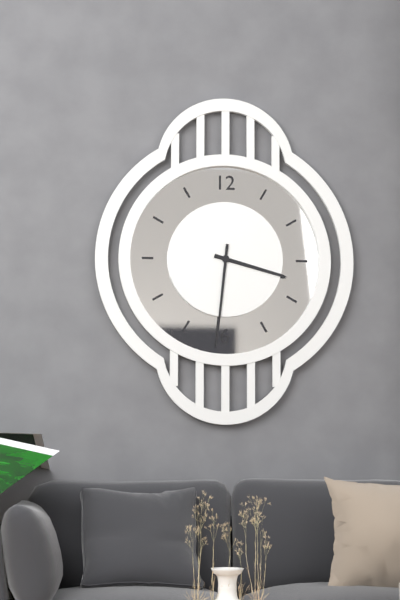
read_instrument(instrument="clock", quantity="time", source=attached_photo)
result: 3:31
